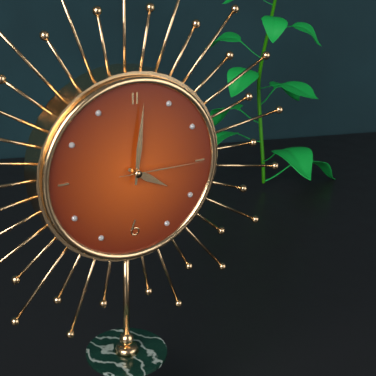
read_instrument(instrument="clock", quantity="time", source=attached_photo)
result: 4:01:15
